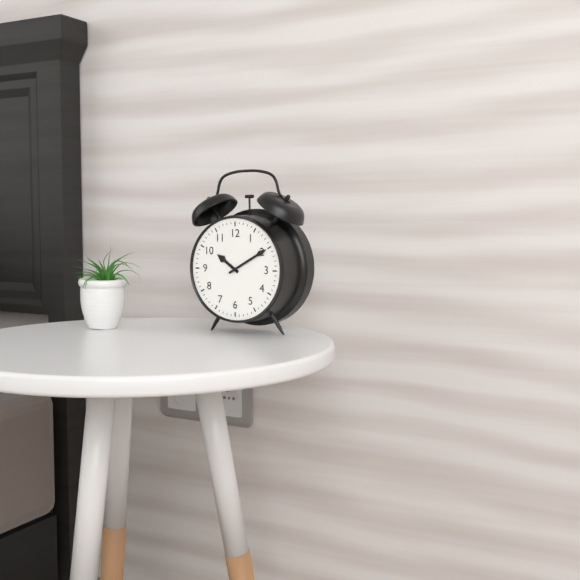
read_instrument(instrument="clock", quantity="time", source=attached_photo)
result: 10:10
